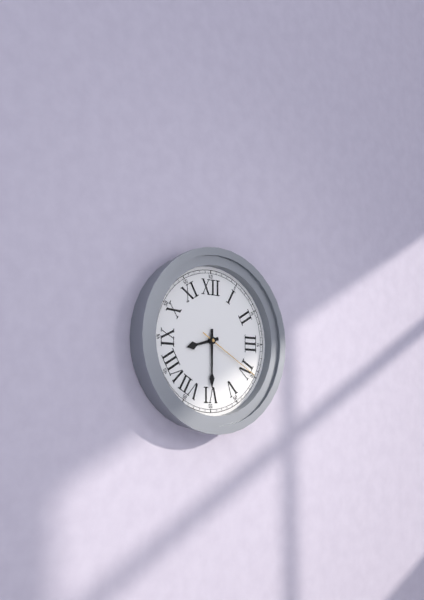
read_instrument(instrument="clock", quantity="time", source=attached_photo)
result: 8:30:20
